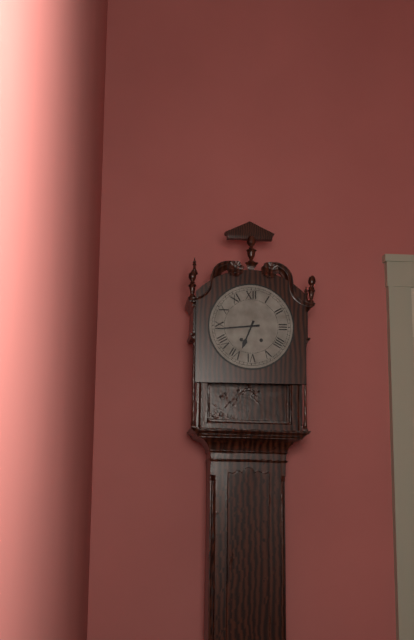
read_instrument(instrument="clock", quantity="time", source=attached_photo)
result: 6:44
